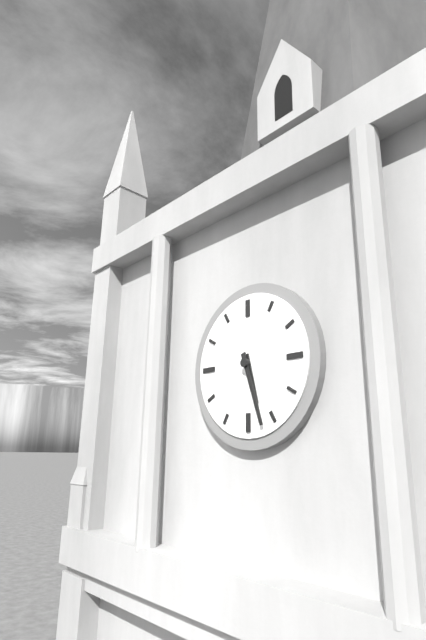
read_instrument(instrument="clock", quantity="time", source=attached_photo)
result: 5:27
